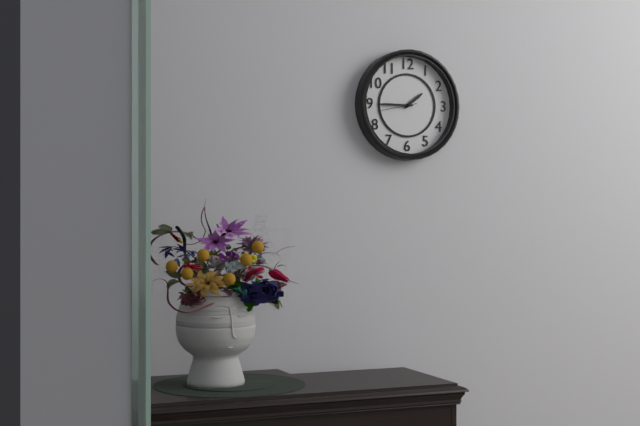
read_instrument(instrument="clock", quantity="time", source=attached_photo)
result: 1:45
